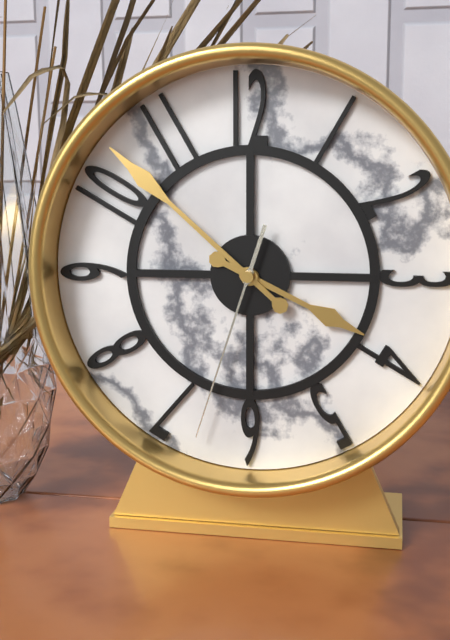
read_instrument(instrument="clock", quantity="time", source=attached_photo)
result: 3:52:33
